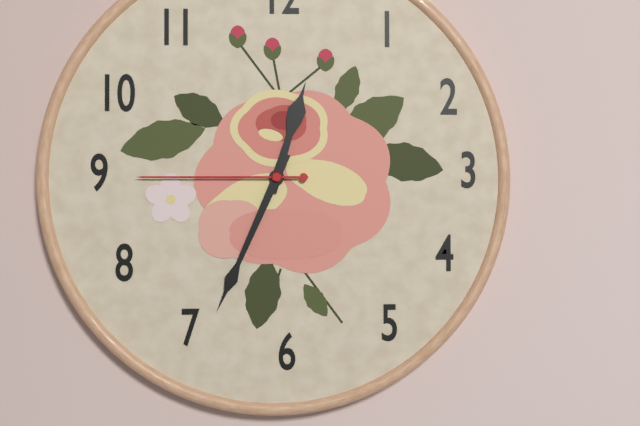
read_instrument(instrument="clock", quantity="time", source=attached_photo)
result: 12:34:45
